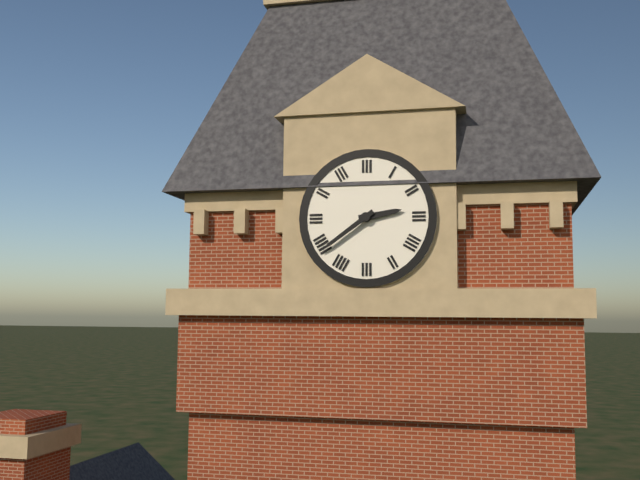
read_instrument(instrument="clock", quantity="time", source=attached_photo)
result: 2:39
